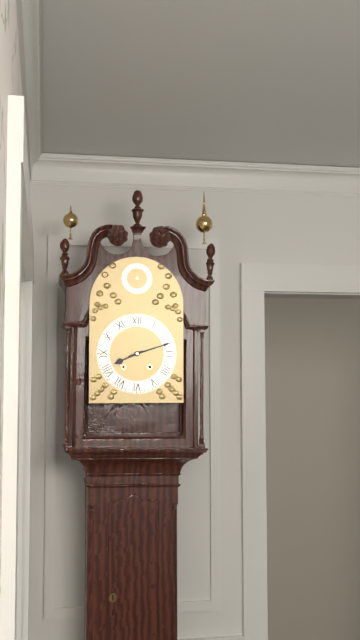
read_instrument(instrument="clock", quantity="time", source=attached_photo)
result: 8:12
